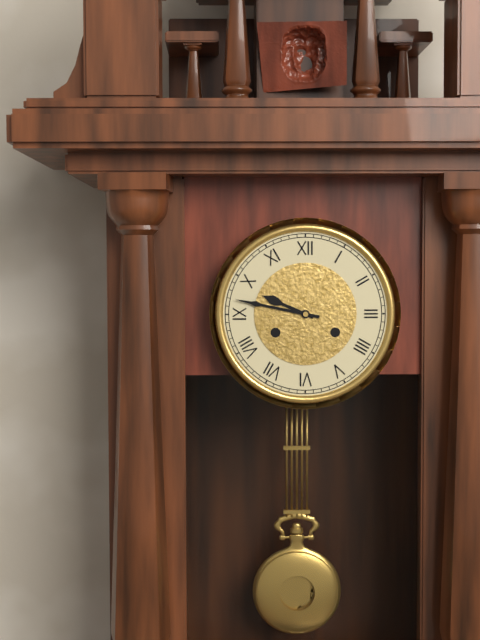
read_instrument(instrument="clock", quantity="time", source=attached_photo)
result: 9:47
